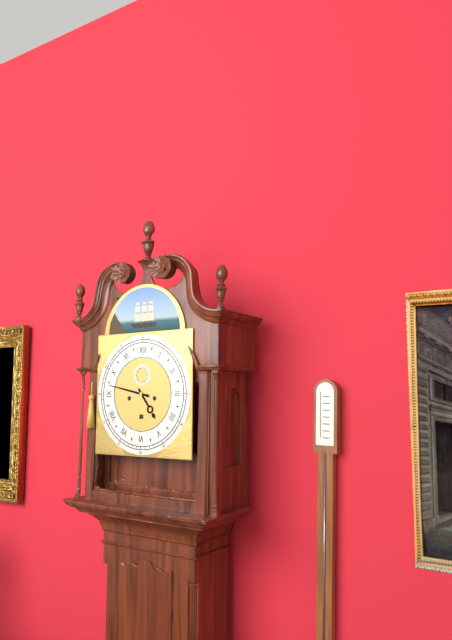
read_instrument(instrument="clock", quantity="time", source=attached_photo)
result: 4:47
